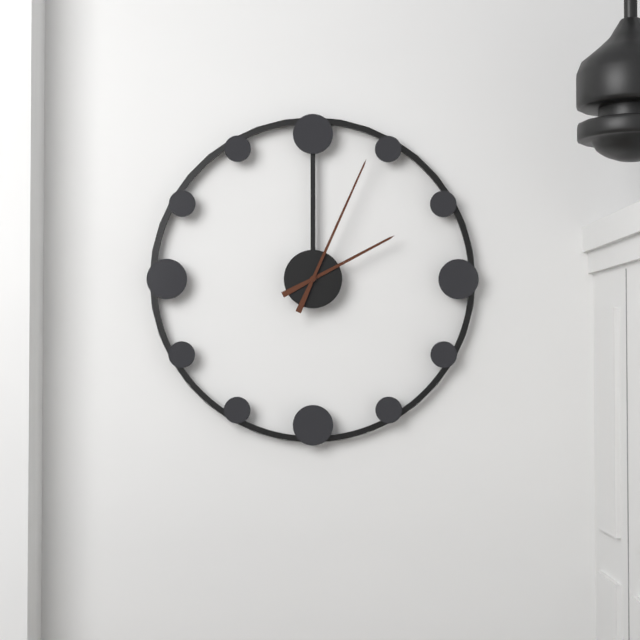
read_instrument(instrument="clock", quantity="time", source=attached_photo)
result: 2:04
